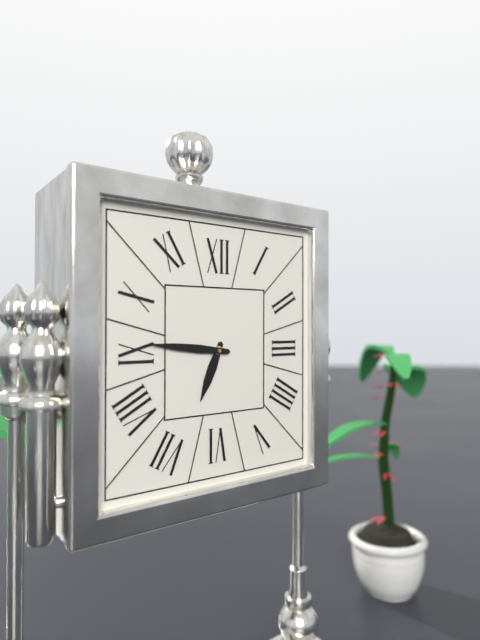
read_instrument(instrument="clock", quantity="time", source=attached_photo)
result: 6:46
